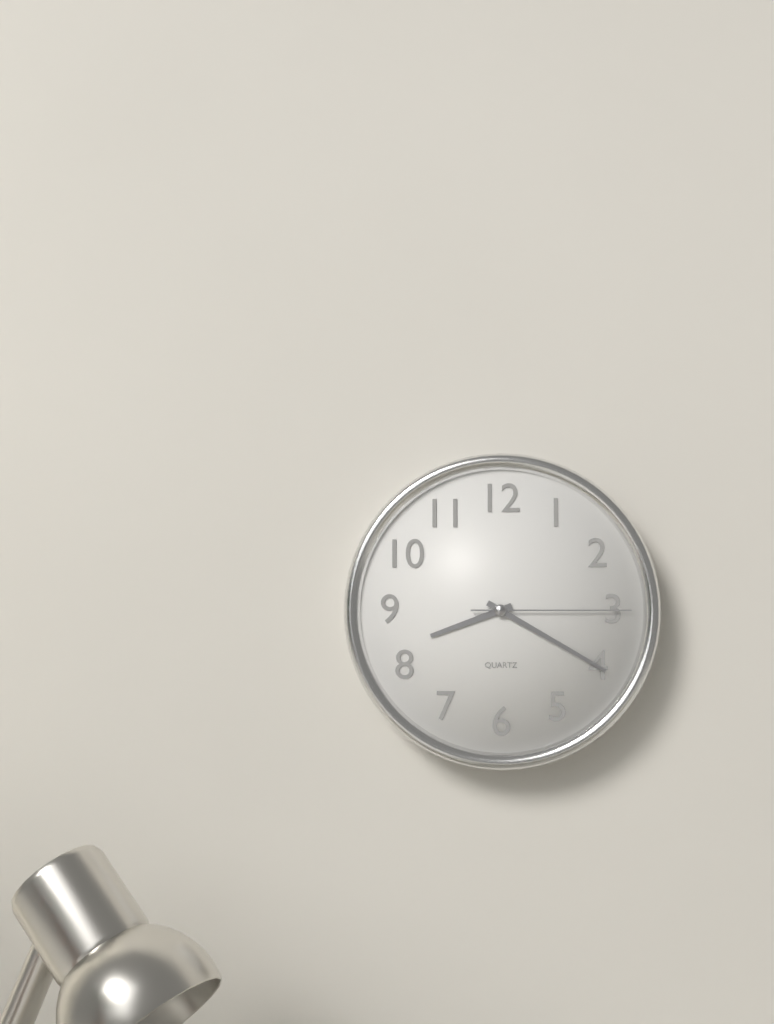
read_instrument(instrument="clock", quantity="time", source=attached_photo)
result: 8:20:15
